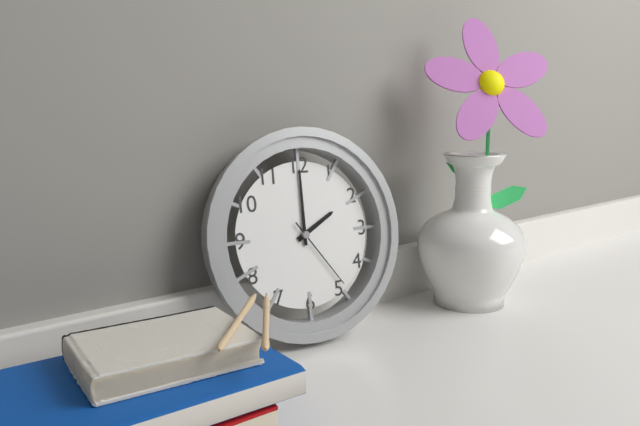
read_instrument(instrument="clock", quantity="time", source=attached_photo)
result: 2:00:24
